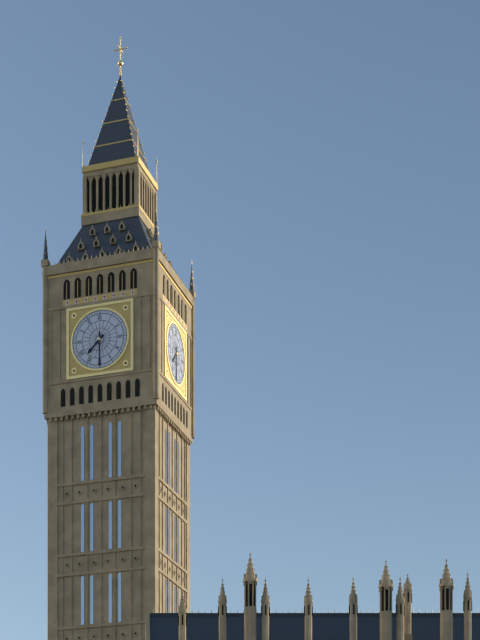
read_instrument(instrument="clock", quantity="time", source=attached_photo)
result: 7:30
